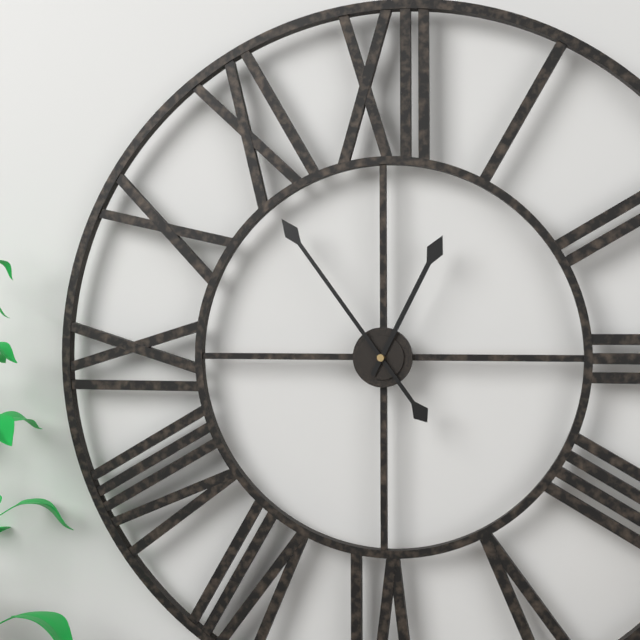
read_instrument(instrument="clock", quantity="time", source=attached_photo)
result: 12:54
